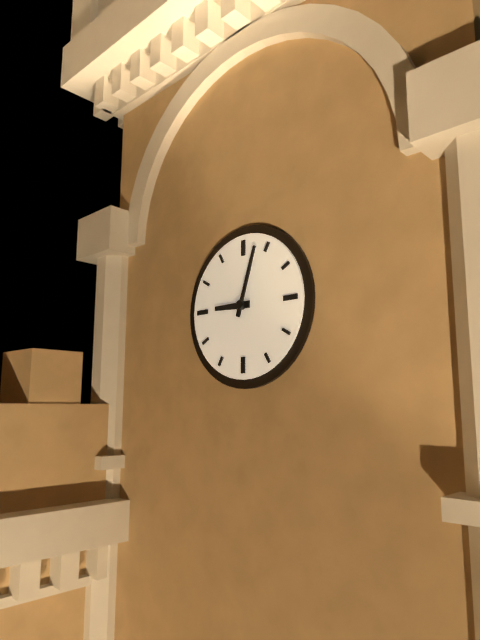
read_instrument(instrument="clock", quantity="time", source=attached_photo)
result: 9:03
